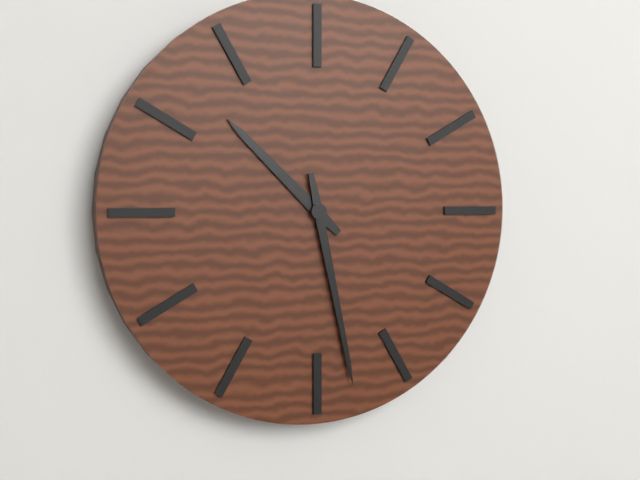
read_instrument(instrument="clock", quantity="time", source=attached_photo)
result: 10:28
